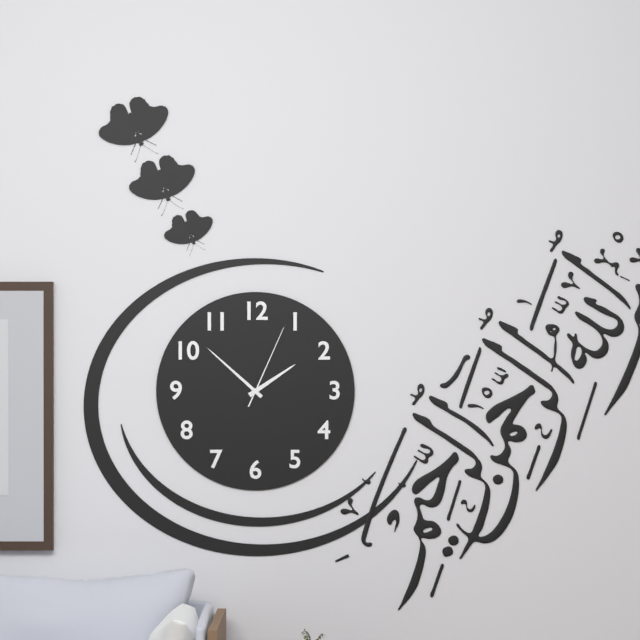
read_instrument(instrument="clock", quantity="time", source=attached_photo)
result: 1:52:04
